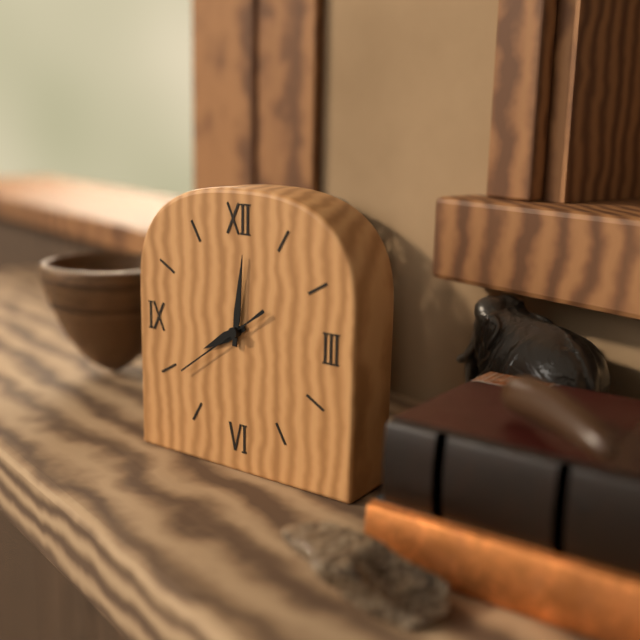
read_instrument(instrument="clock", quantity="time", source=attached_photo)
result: 8:01:39
